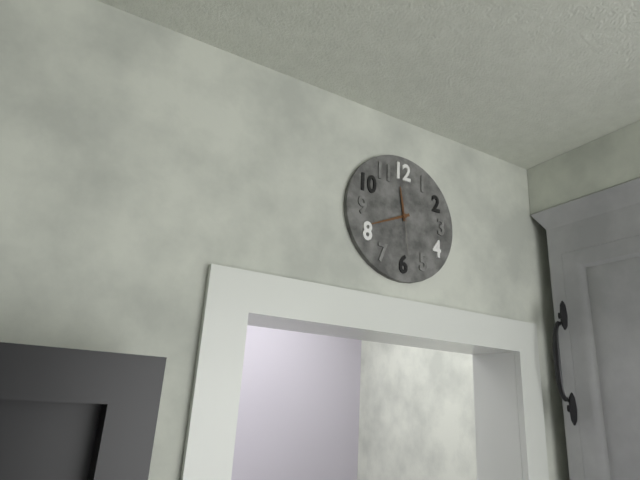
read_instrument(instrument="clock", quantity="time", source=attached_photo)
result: 11:41
